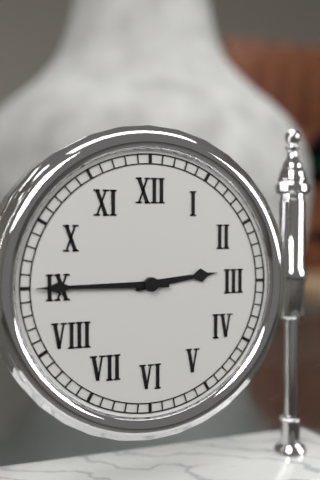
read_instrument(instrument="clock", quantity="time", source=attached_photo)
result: 2:45
